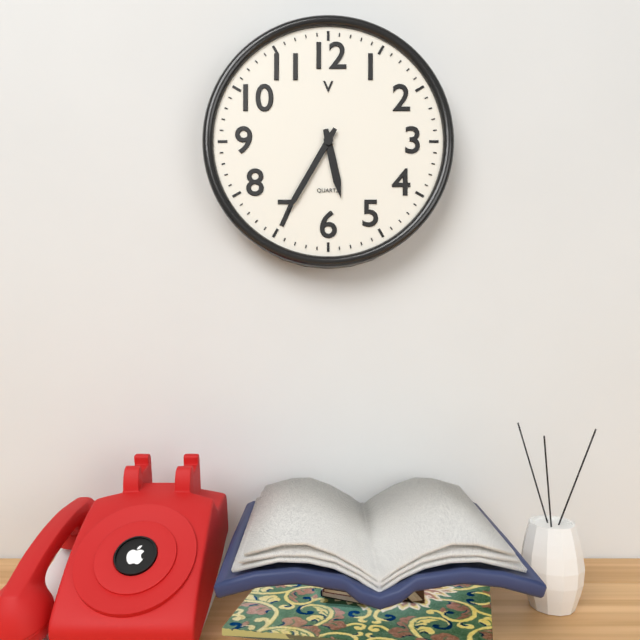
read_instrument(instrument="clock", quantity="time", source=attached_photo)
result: 5:35
